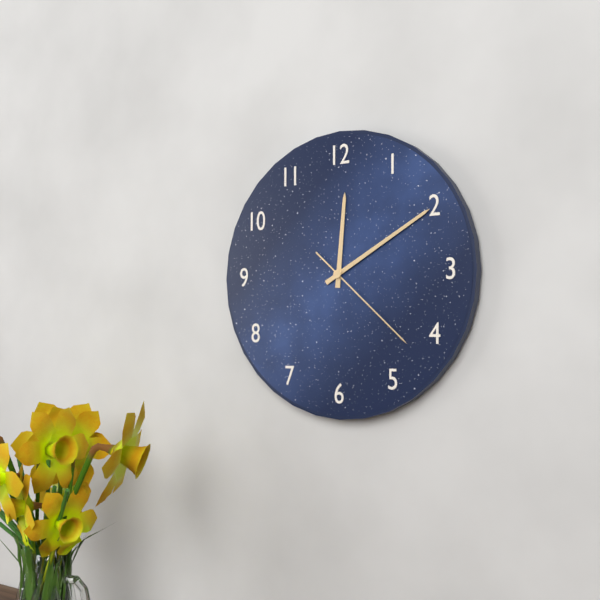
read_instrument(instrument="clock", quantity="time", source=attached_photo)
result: 12:10:22
